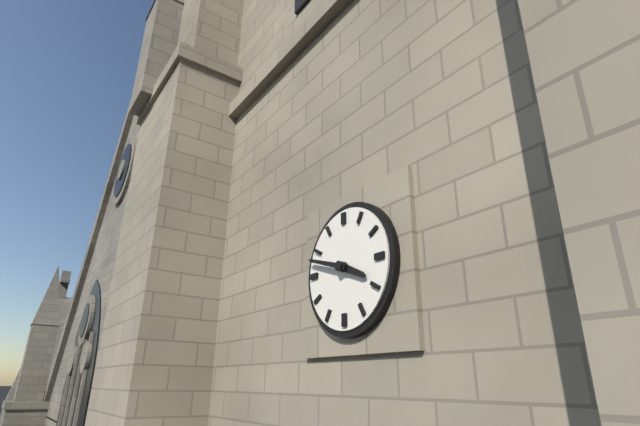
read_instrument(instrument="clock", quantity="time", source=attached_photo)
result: 3:48
